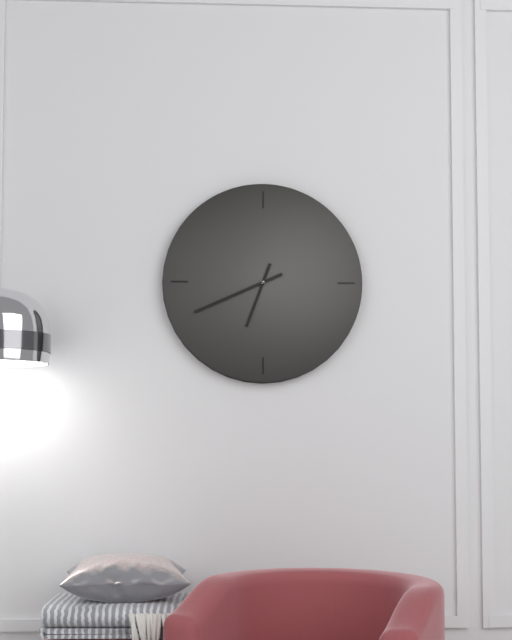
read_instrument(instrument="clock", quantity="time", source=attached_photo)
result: 6:41
